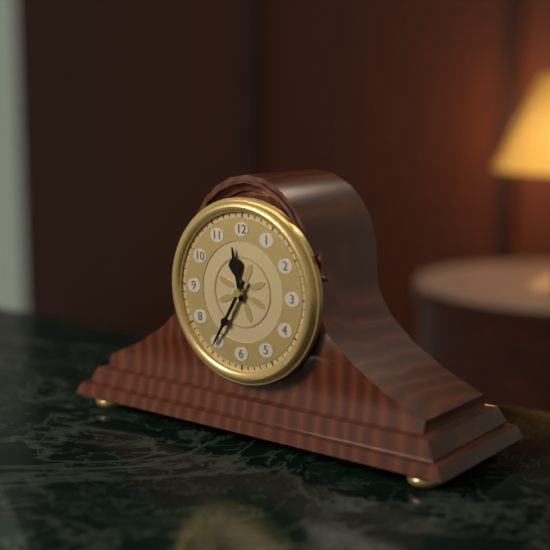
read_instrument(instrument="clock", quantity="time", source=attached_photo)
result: 11:35
